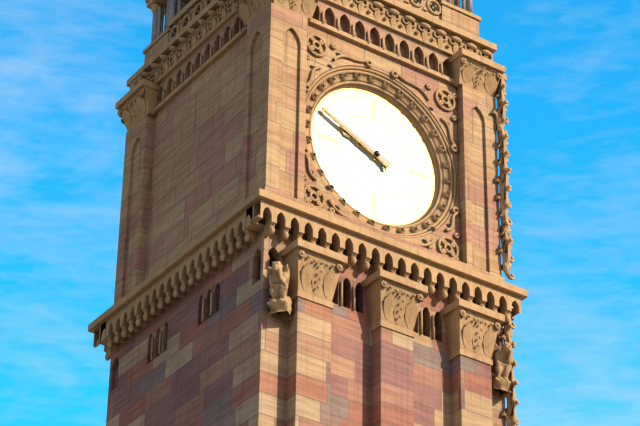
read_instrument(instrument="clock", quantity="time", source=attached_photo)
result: 9:49
